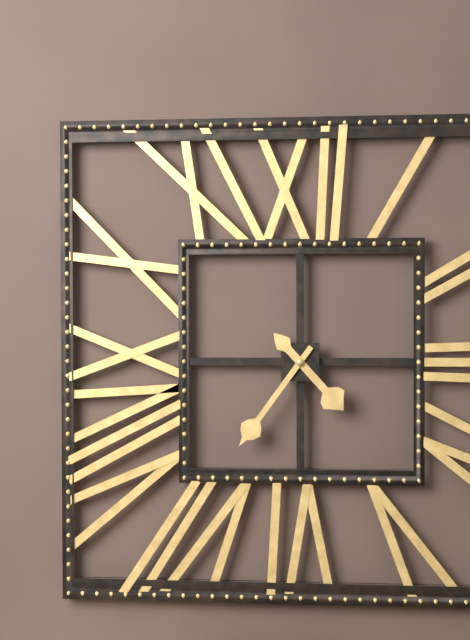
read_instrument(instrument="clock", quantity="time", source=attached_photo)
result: 4:36
